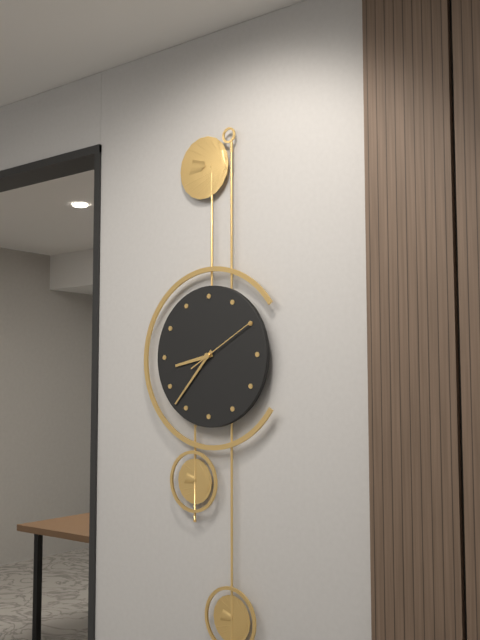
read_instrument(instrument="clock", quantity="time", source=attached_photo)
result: 8:37:10
